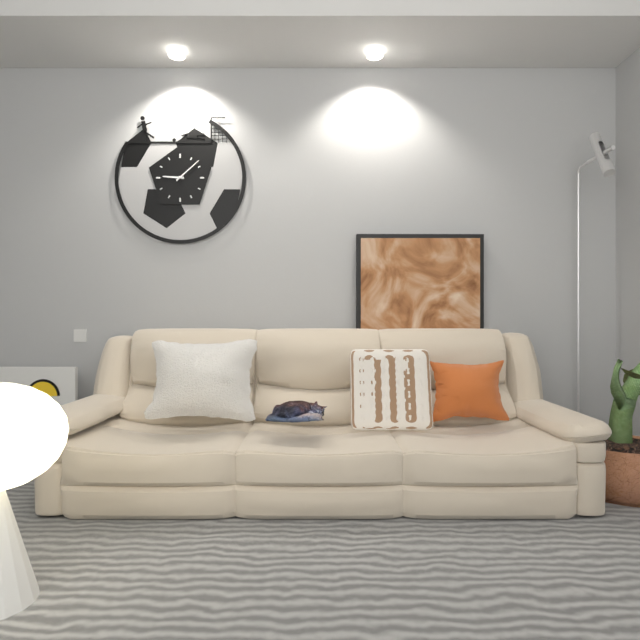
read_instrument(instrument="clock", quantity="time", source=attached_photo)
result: 9:08
